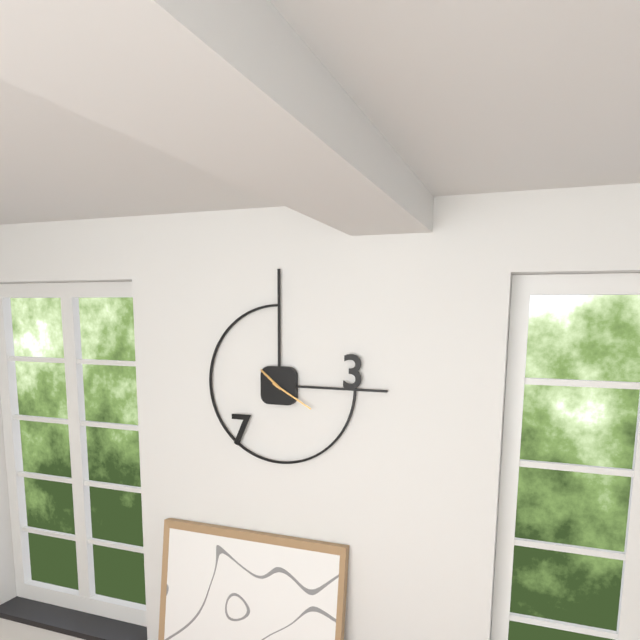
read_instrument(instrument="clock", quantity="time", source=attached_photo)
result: 10:20
